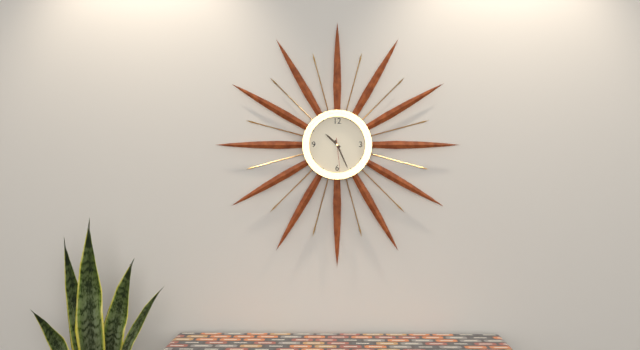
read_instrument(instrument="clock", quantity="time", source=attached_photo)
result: 10:26
